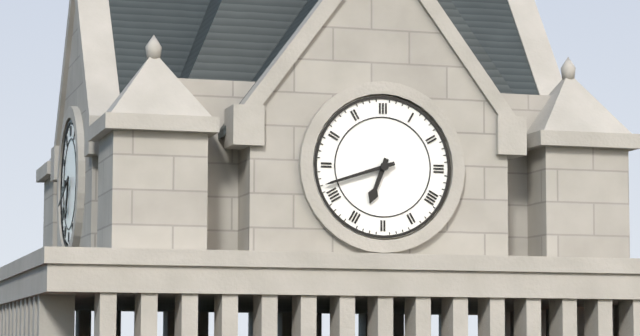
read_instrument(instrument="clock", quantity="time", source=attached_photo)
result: 6:42
